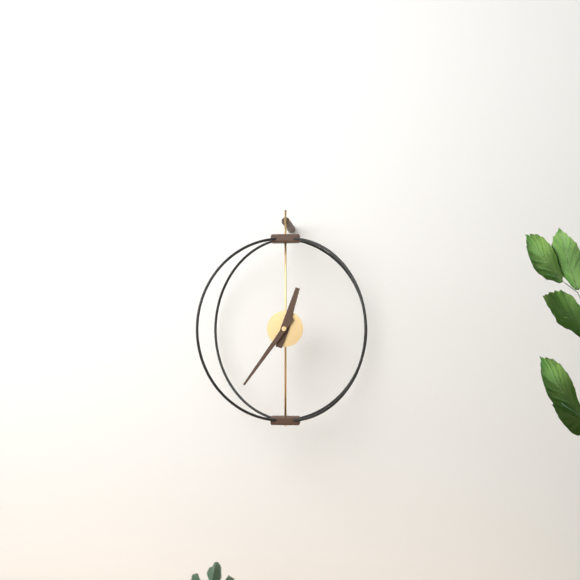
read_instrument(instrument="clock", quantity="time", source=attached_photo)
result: 12:36
